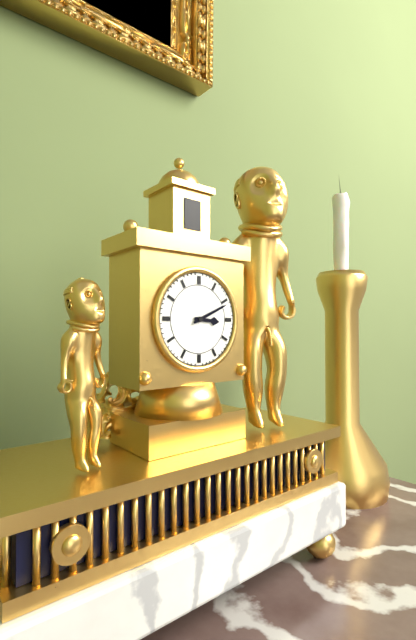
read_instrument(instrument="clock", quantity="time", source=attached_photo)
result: 3:11
